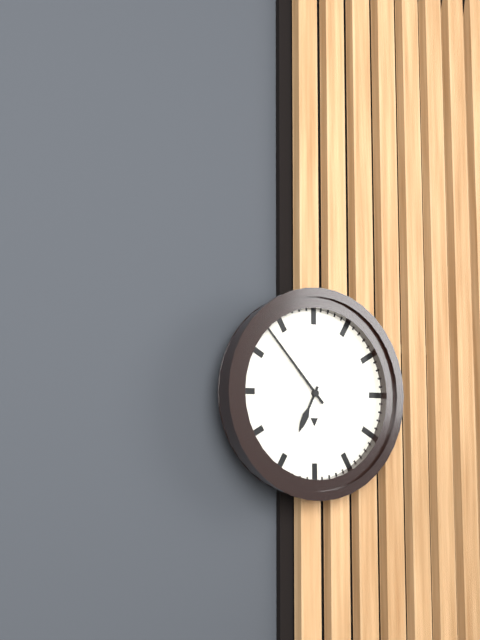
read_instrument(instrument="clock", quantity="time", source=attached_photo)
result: 6:53
